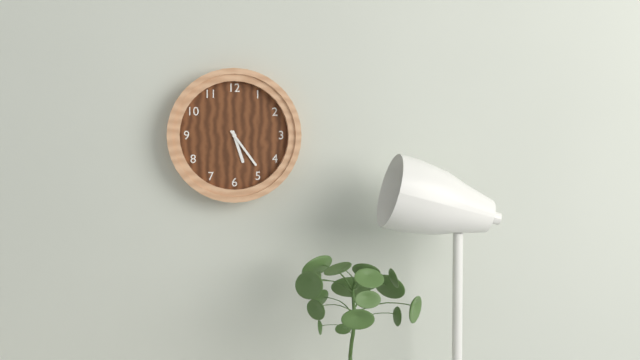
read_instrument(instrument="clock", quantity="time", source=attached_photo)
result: 5:24
